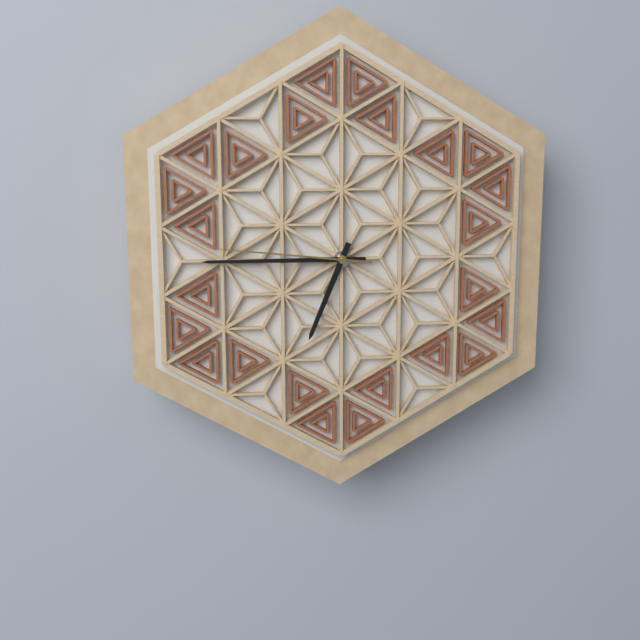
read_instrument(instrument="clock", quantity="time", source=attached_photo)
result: 6:45:46
